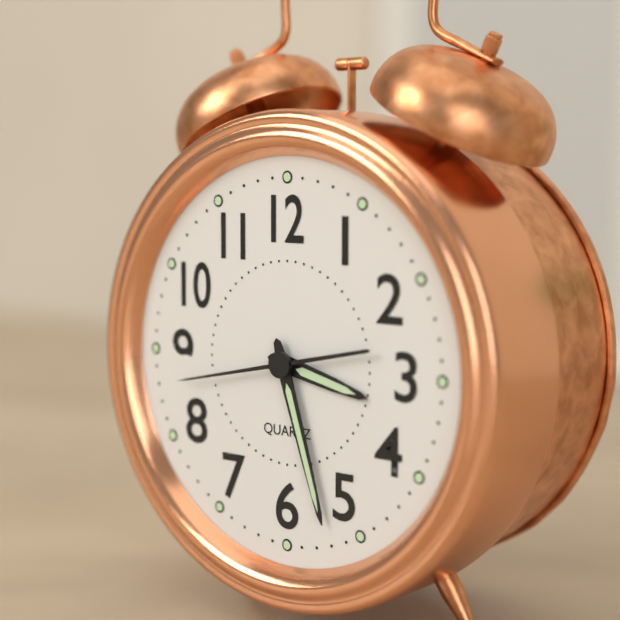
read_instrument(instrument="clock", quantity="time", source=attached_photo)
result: 3:27:43
